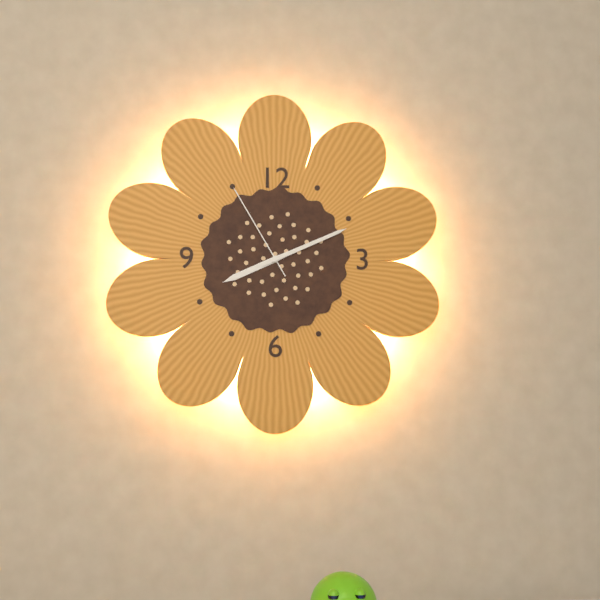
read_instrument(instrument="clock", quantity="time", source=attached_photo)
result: 8:11:55
